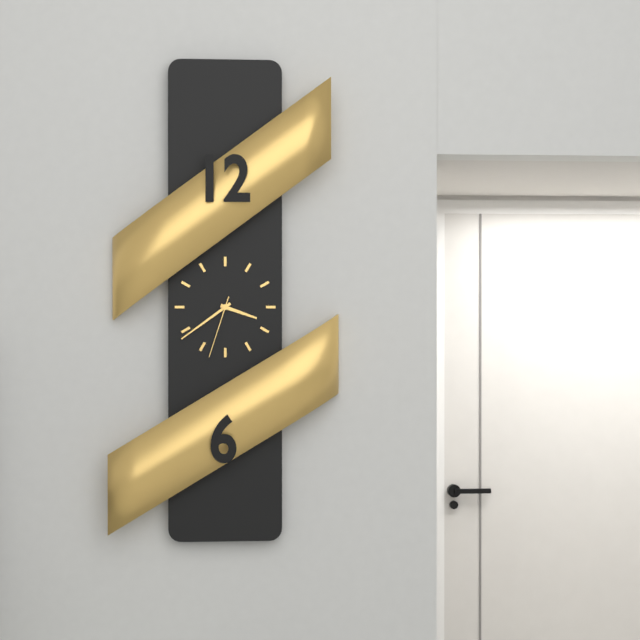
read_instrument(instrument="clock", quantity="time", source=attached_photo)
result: 3:39:33
